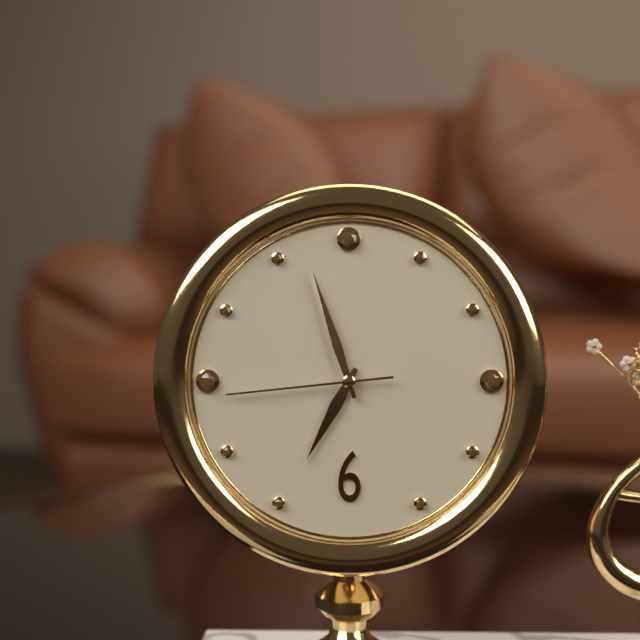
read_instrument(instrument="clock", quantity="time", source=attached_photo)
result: 6:57:44
